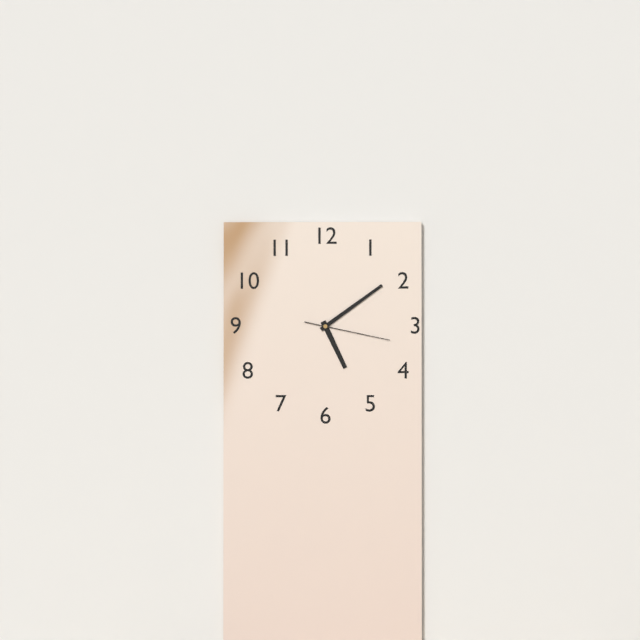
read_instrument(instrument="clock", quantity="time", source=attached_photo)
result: 5:09:17
